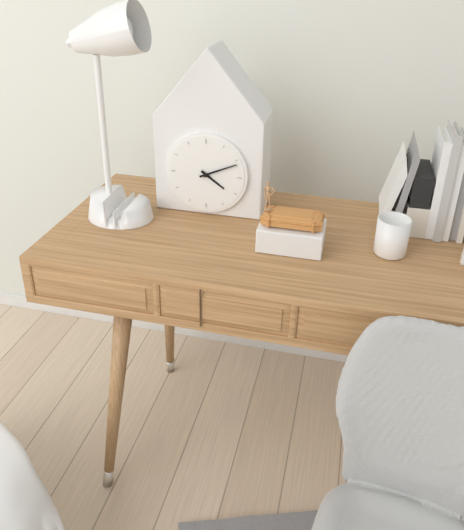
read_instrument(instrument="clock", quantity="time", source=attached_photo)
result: 4:11
